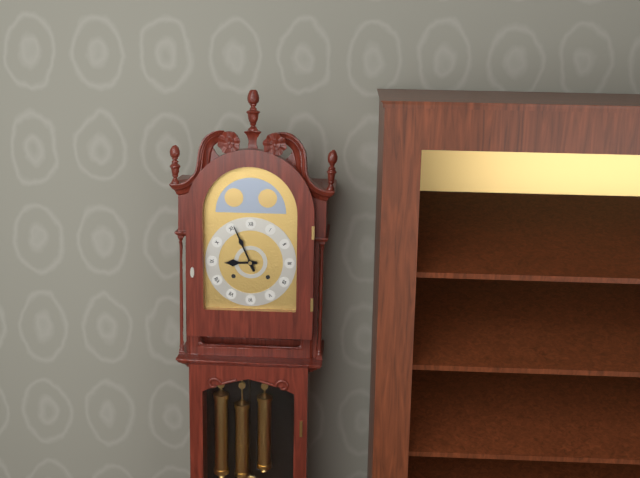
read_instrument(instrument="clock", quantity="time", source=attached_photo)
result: 8:56
